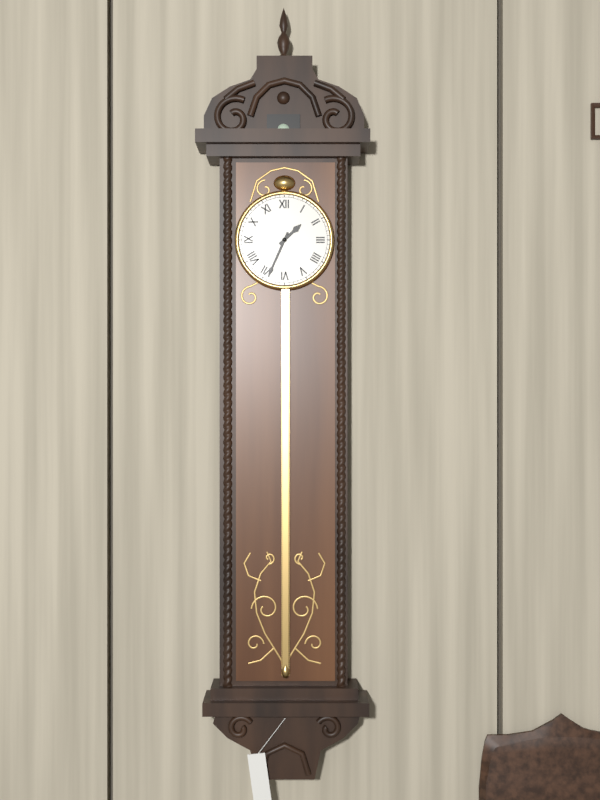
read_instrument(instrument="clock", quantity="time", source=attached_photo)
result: 1:34
